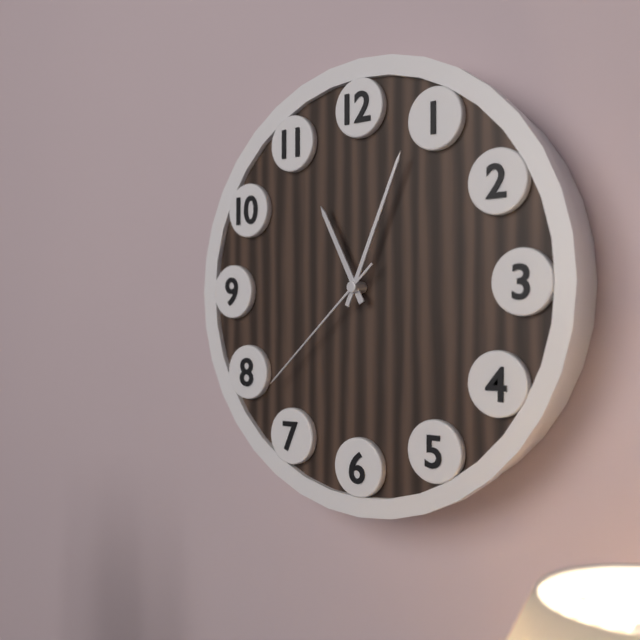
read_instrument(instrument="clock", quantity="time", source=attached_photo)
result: 11:04:38
